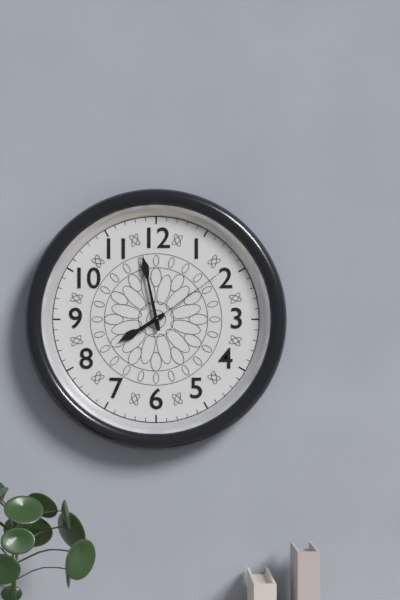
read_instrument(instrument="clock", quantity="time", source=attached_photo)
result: 7:58:09
